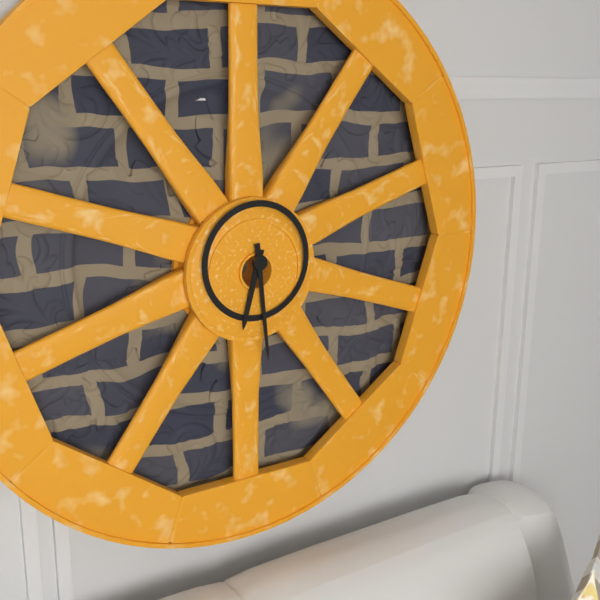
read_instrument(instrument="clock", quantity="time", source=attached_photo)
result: 6:29
